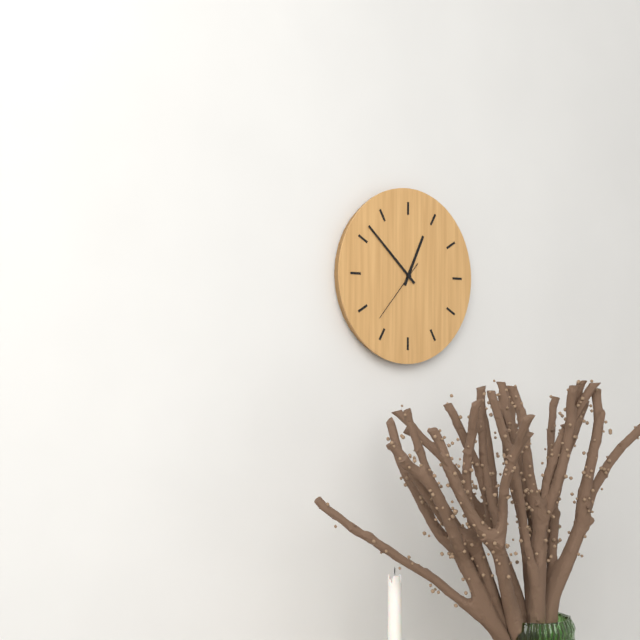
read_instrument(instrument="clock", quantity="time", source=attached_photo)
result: 12:52:37
